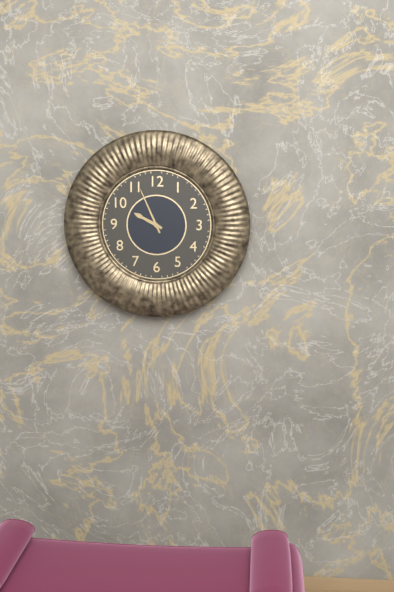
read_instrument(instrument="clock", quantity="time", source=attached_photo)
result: 9:56
